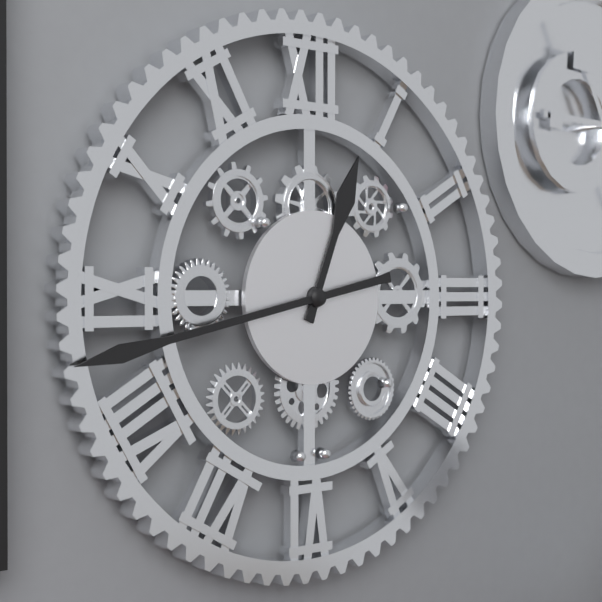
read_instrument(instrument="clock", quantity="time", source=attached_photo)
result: 12:43
